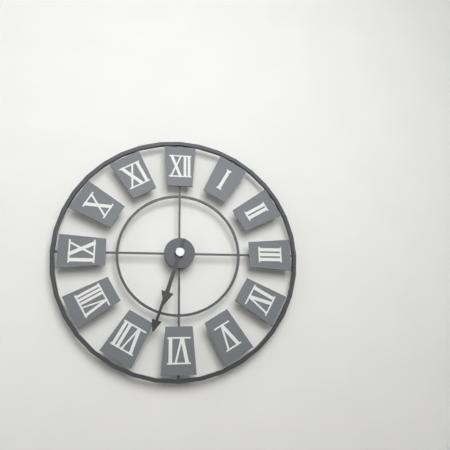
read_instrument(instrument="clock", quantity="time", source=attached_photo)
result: 6:33
